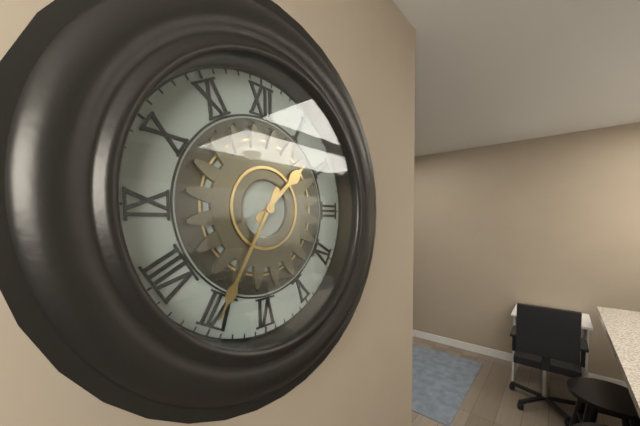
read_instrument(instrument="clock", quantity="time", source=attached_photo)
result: 1:35
